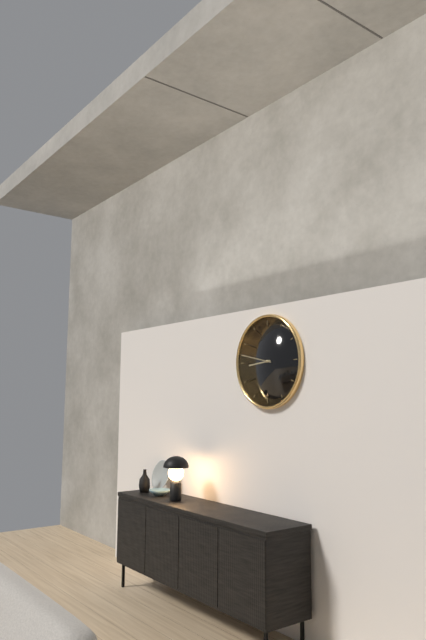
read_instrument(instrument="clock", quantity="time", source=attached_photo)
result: 8:47
